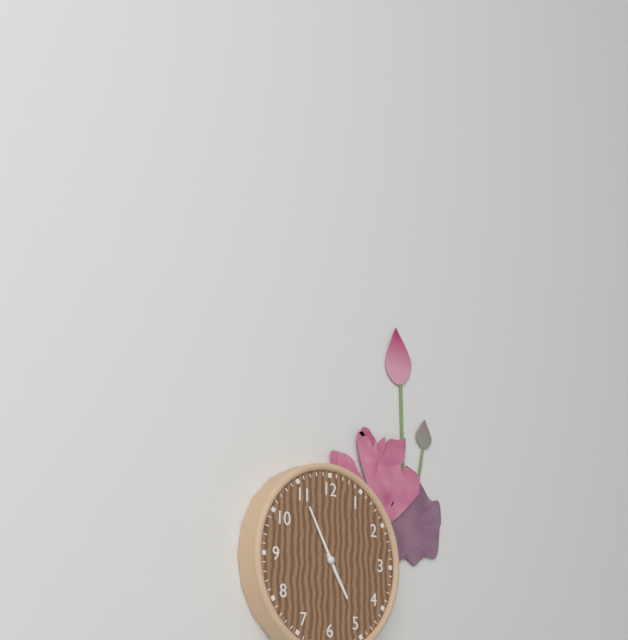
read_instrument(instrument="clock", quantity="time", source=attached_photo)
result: 4:55
